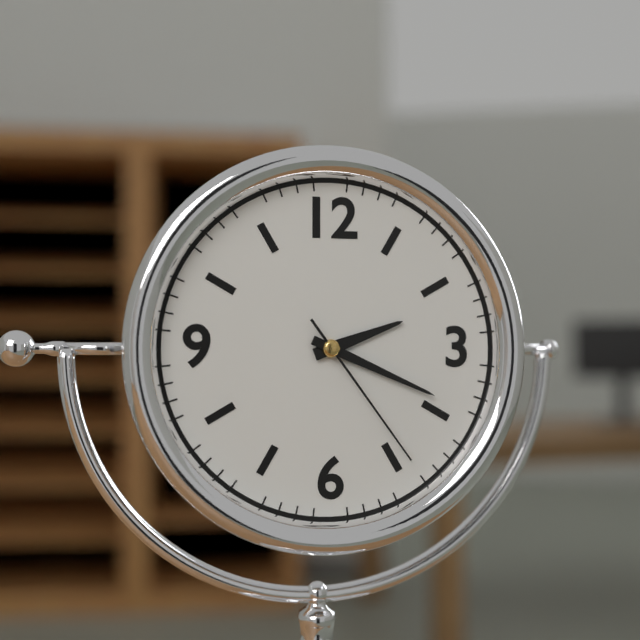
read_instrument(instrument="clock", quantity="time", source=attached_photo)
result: 2:19:24
